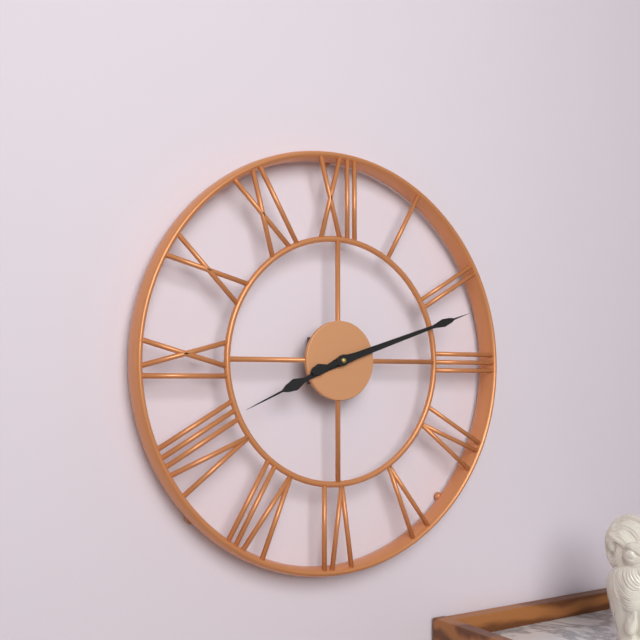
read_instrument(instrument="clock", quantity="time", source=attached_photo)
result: 8:12
